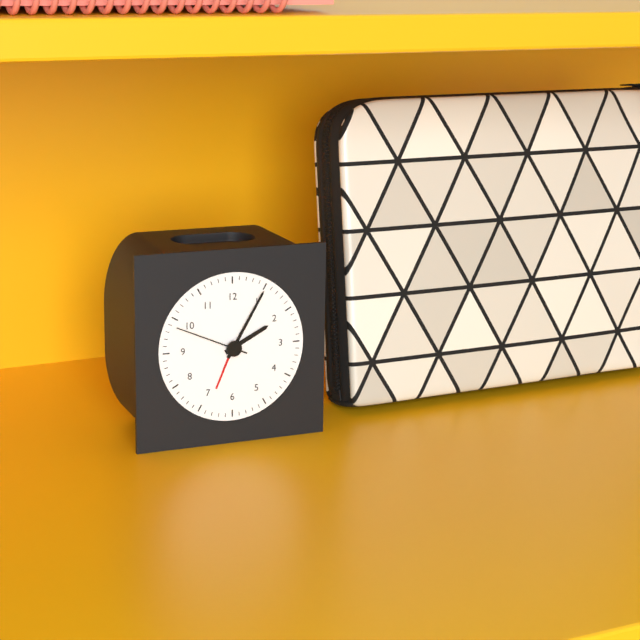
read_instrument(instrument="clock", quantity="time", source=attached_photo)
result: 2:05:49
